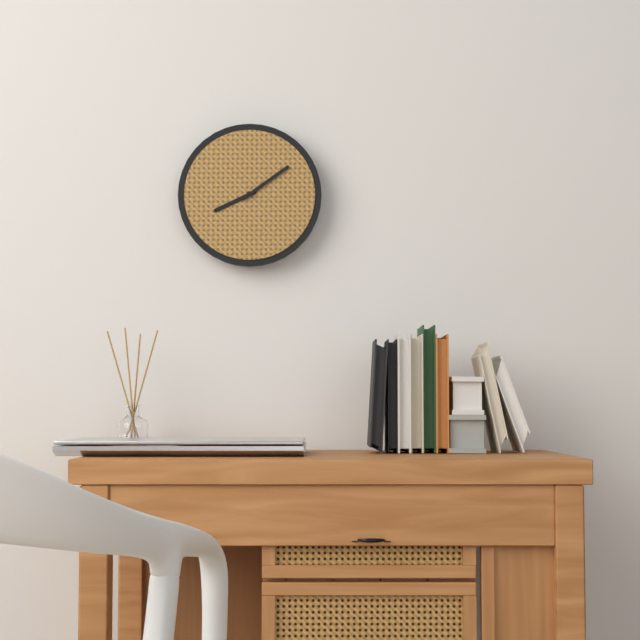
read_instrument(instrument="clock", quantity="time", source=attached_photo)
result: 8:09
